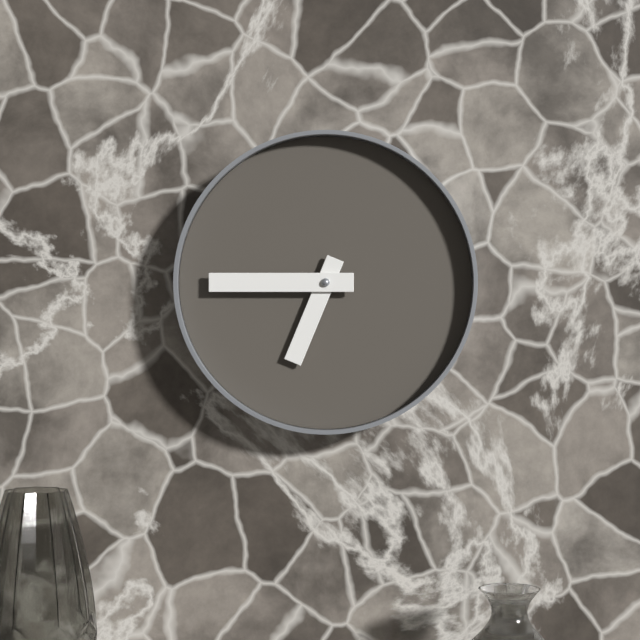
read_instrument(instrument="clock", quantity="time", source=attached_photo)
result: 6:45
